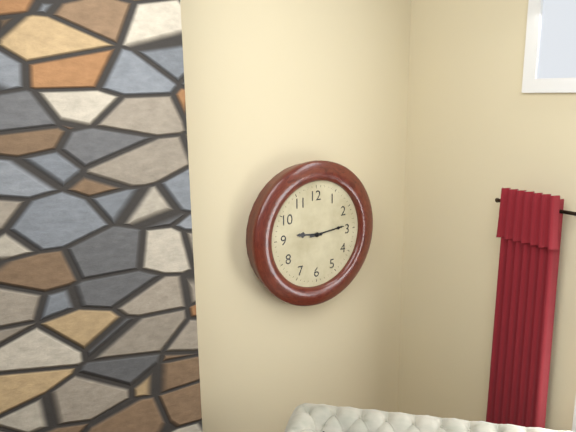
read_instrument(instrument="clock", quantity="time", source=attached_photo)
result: 9:14
